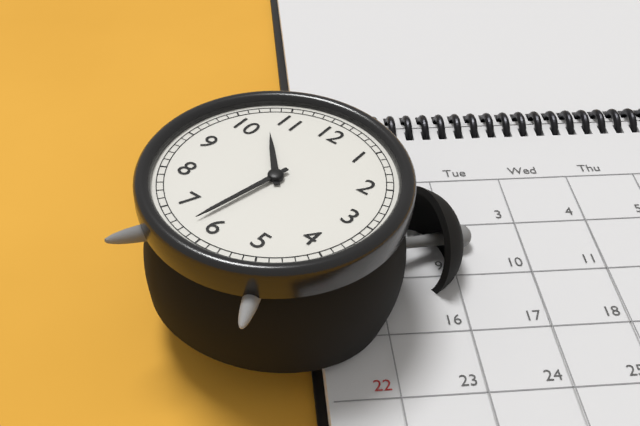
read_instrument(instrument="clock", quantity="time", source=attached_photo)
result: 10:32
